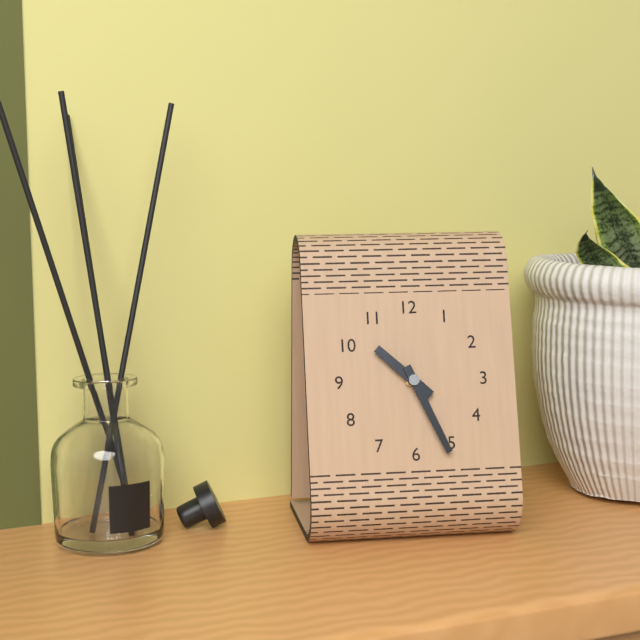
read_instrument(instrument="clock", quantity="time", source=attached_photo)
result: 10:26
